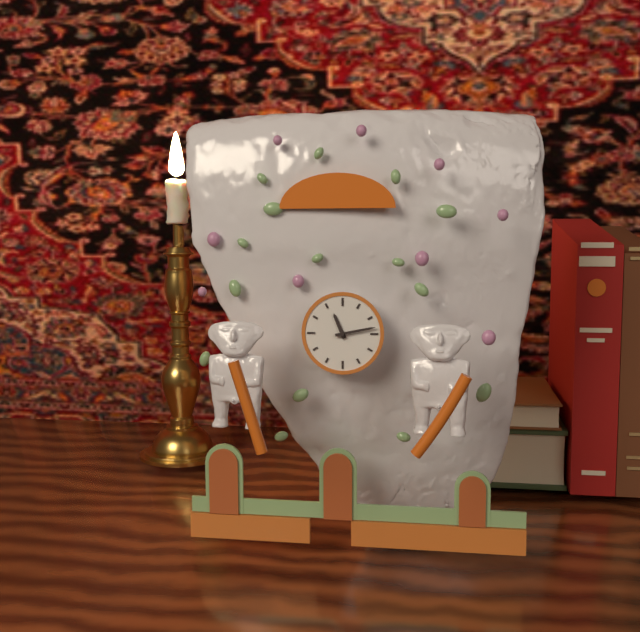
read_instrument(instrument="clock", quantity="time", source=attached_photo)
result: 11:13
